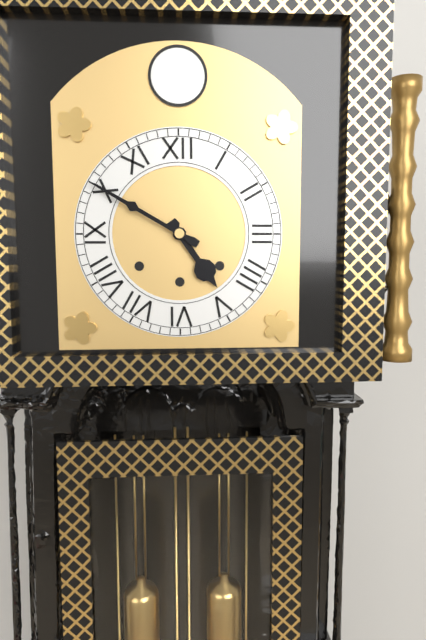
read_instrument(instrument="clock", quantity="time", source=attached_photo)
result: 4:50
